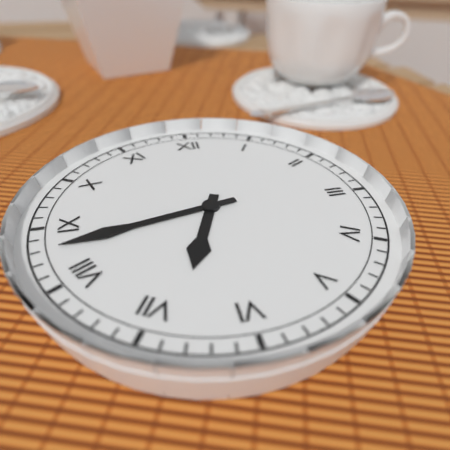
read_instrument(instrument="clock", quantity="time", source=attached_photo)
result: 6:43
